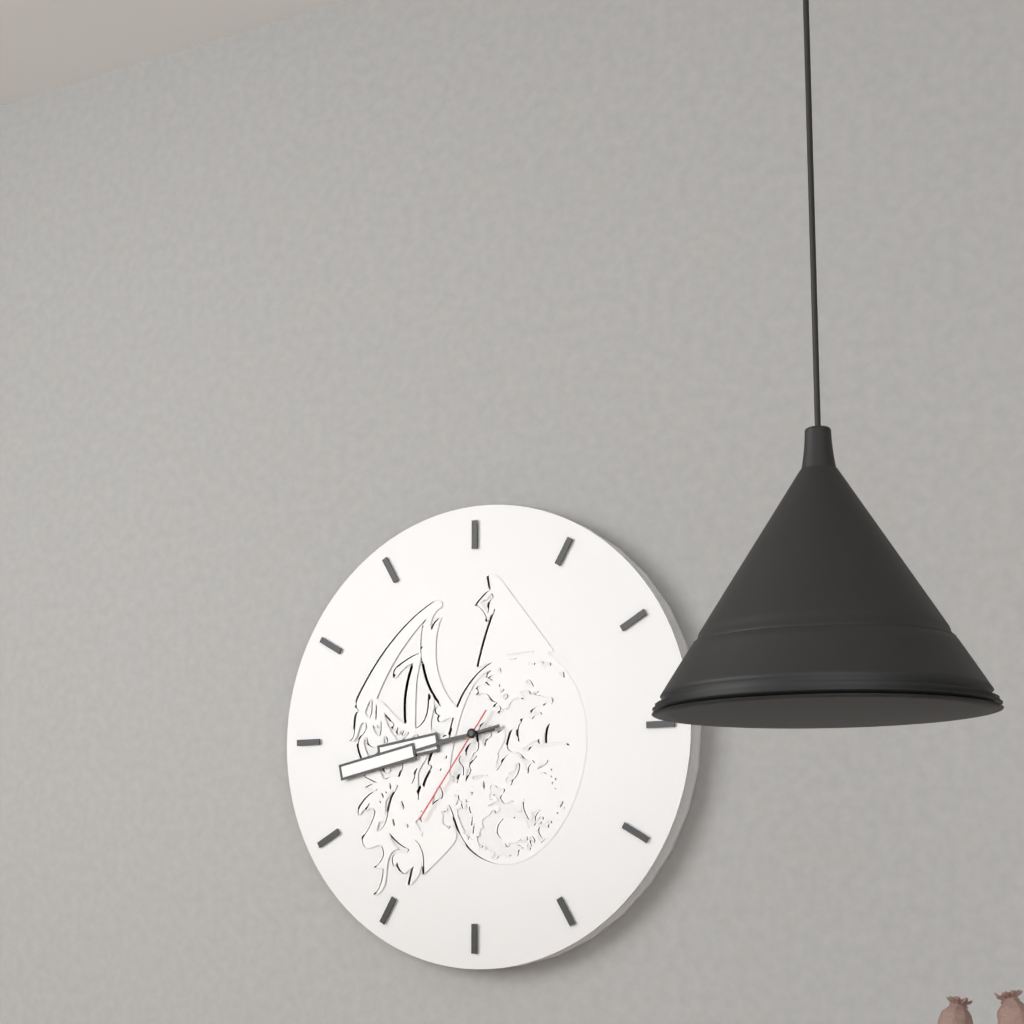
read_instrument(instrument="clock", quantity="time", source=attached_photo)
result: 8:43:36
